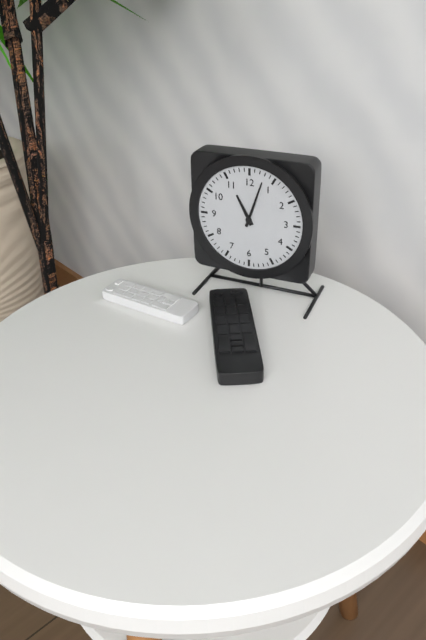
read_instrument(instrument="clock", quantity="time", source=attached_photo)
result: 11:03
